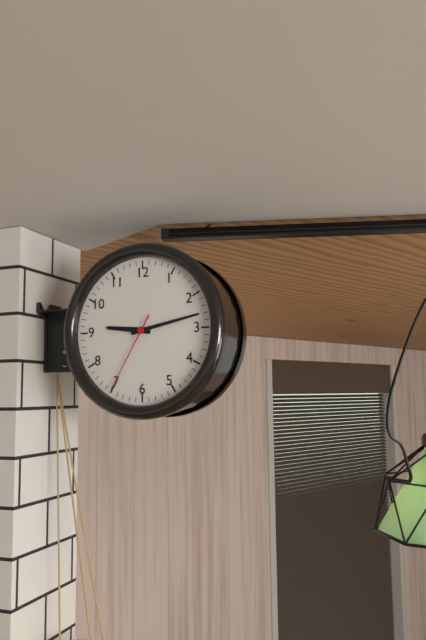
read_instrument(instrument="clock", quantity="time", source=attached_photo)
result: 9:13:35
